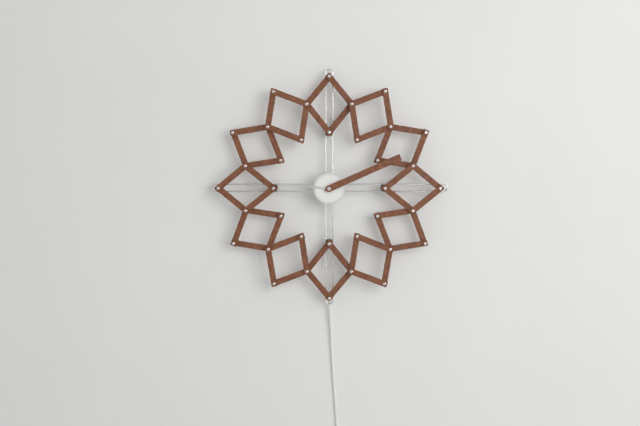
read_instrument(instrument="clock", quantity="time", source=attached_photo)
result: 9:11
